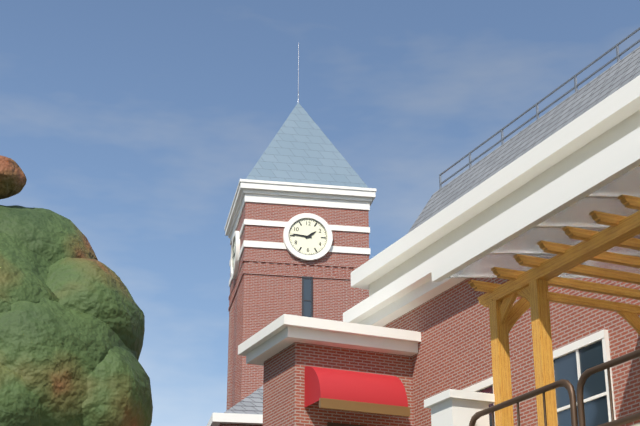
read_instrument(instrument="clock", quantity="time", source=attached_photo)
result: 1:46
